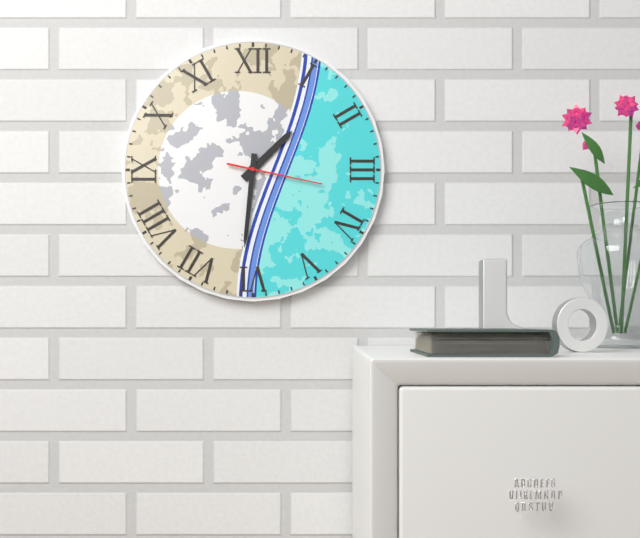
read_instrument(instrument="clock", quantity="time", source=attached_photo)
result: 1:31:17
